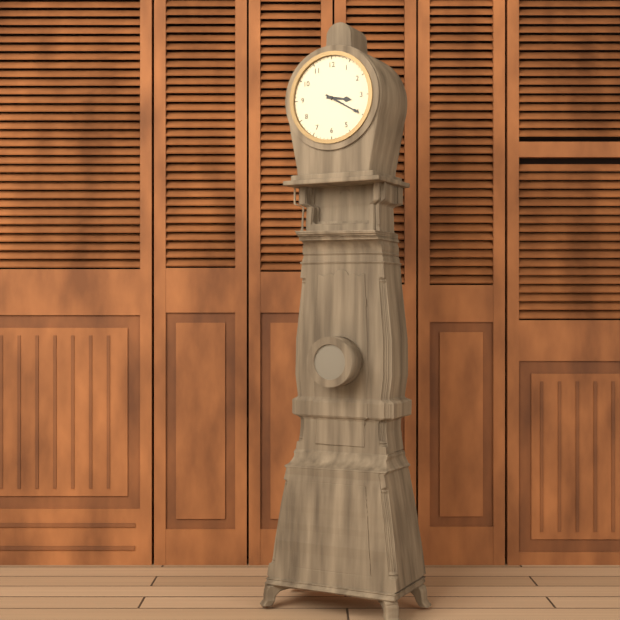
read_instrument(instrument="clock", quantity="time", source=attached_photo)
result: 3:20
